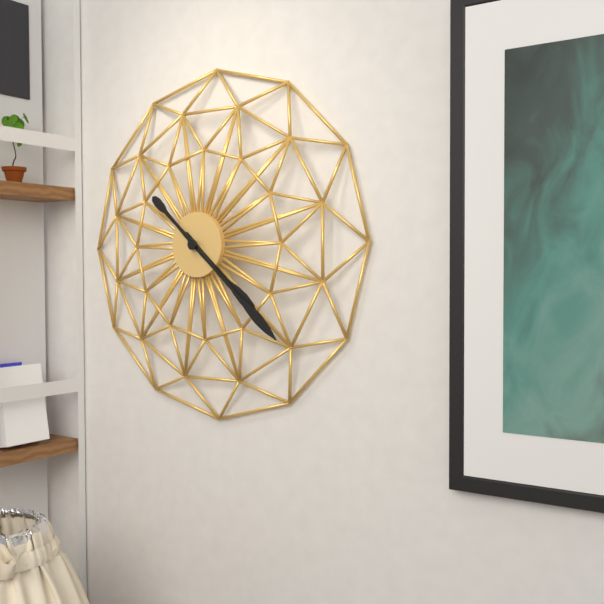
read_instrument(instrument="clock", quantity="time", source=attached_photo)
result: 4:22
